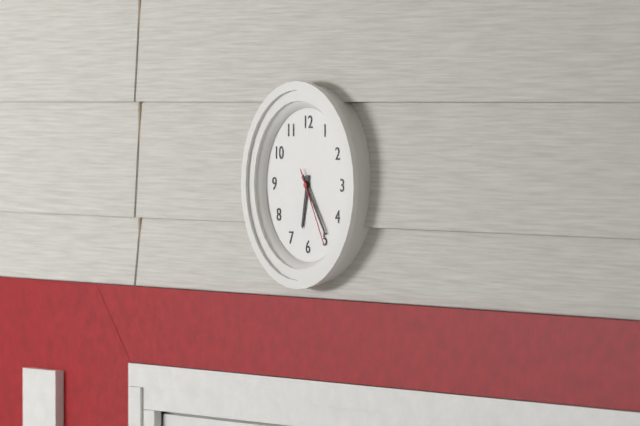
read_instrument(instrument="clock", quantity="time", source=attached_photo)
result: 6:24:25
